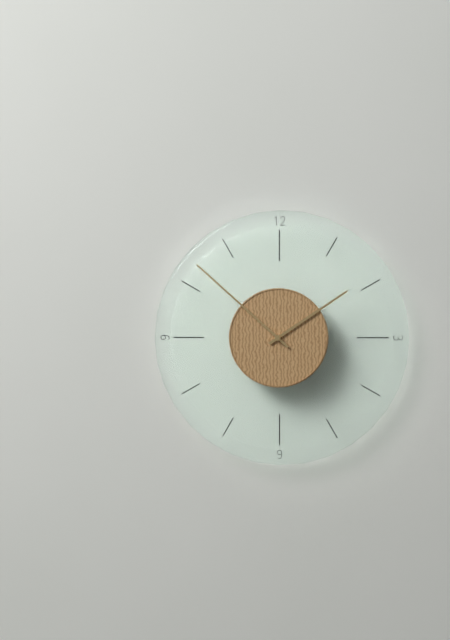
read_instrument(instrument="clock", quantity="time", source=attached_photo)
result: 1:52
